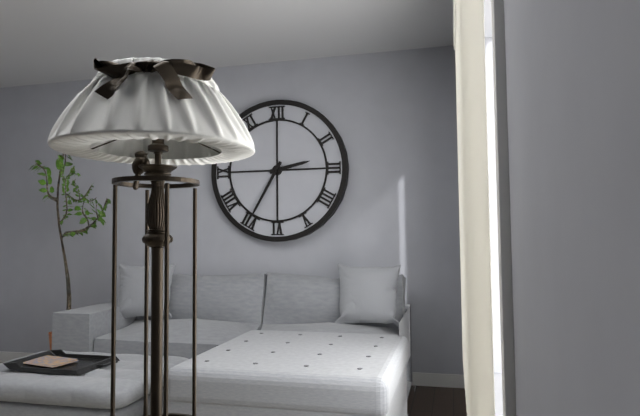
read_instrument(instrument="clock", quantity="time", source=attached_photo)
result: 2:35
